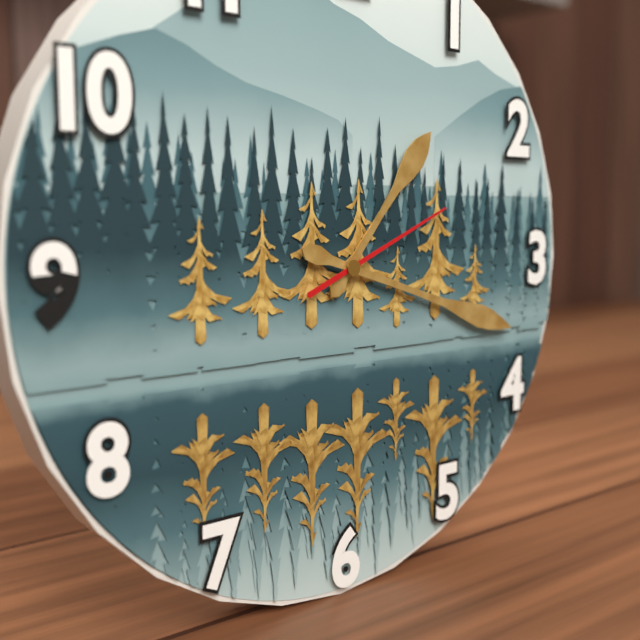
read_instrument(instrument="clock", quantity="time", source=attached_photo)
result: 1:18:11
